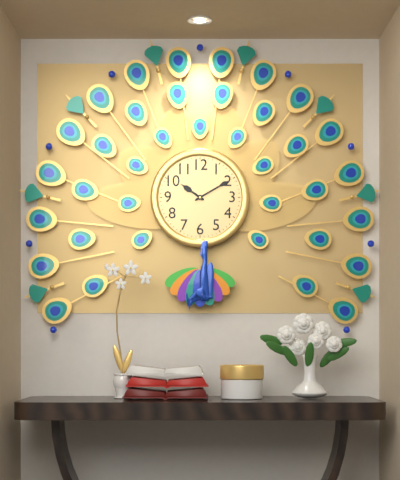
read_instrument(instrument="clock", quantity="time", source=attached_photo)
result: 10:10
